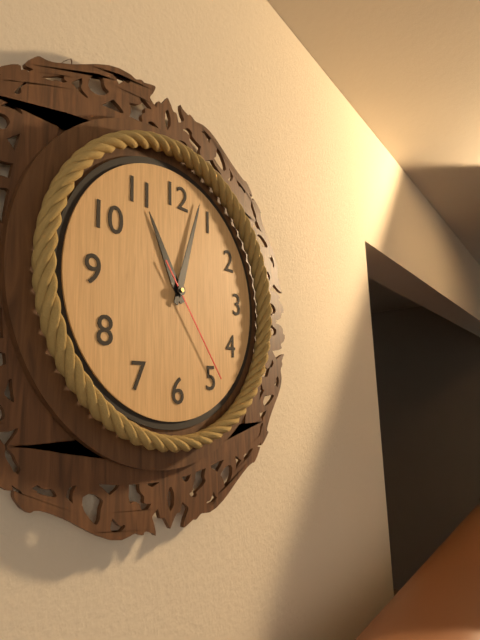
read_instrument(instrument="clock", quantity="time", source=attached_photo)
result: 11:03:24
